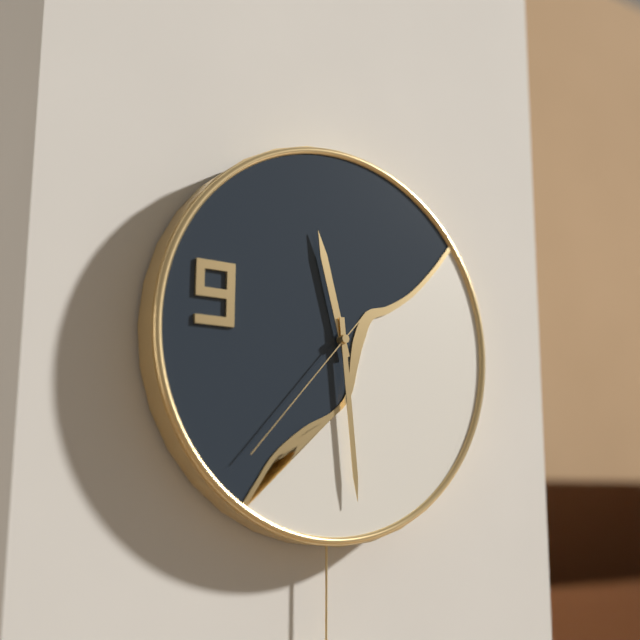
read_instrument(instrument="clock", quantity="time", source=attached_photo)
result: 11:29:37
